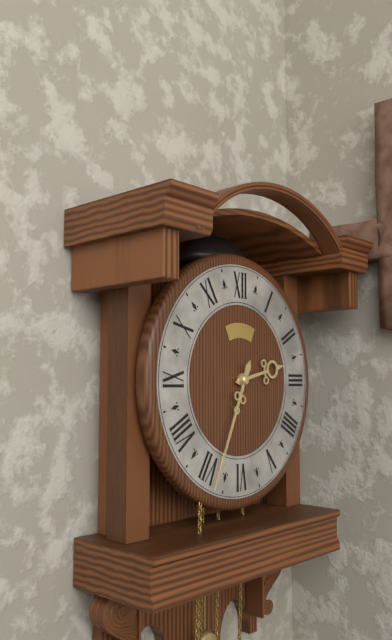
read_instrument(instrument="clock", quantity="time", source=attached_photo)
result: 2:34
